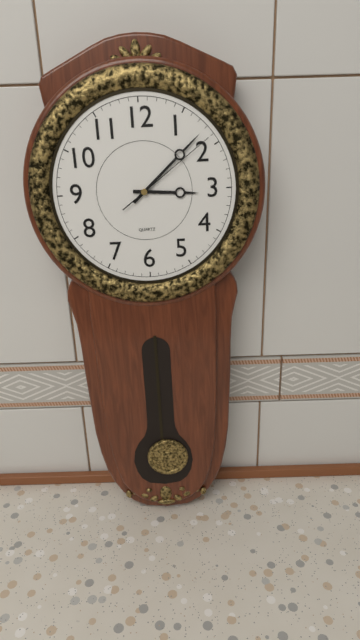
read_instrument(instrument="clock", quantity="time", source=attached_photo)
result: 3:08:09
